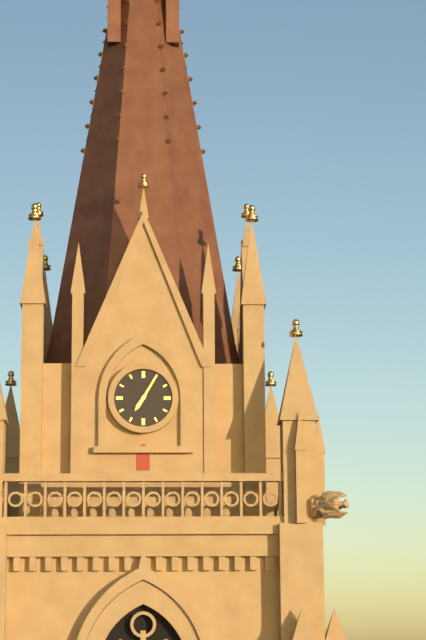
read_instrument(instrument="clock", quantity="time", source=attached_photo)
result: 7:05
